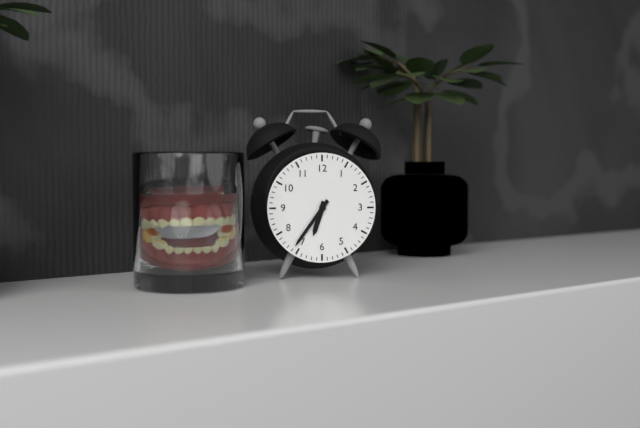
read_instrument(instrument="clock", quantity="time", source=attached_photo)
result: 6:36
